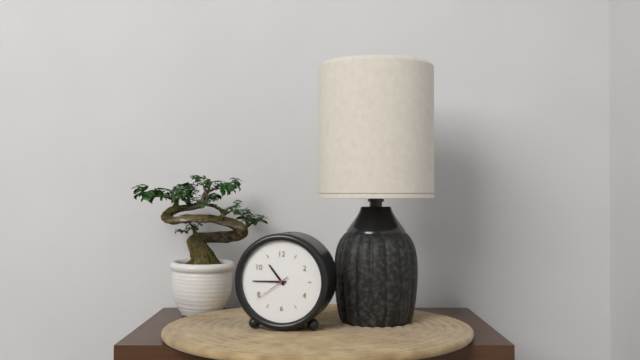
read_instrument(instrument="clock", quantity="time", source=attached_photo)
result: 10:45
